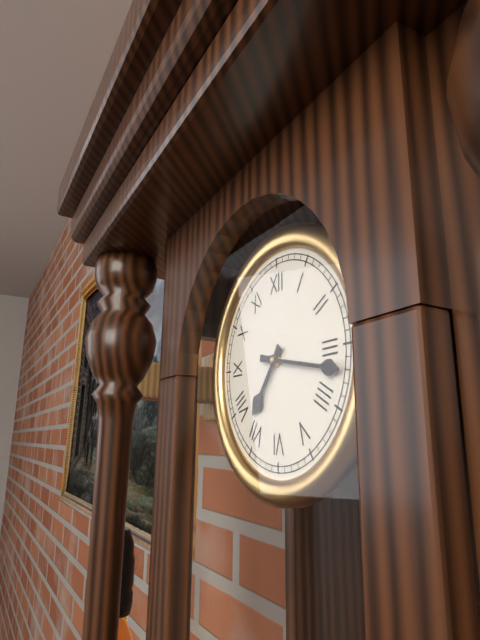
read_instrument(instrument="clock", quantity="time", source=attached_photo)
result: 7:17
